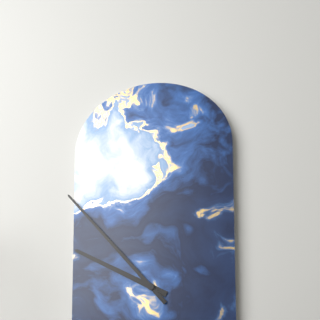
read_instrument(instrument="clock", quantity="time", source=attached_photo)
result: 9:53
